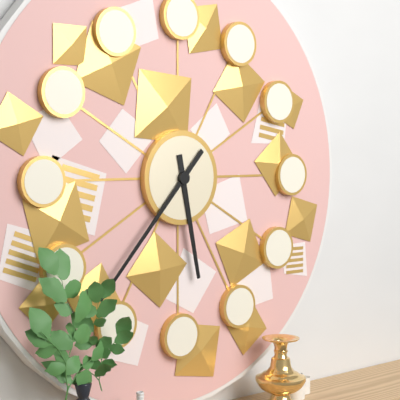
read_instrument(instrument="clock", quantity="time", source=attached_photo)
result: 5:37
